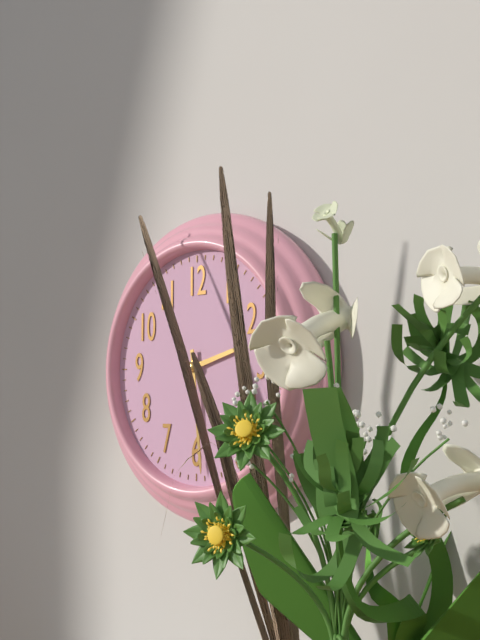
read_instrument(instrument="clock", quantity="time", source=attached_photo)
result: 2:29
